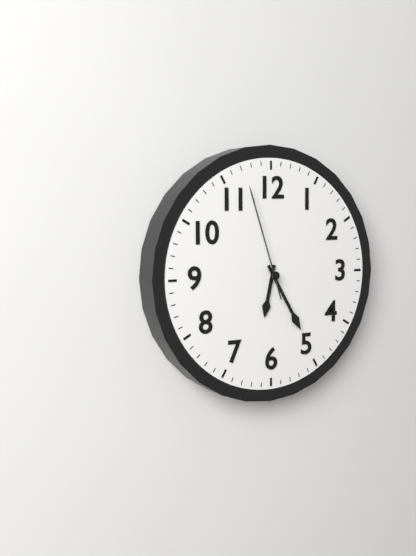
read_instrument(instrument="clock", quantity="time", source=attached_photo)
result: 6:25:57
